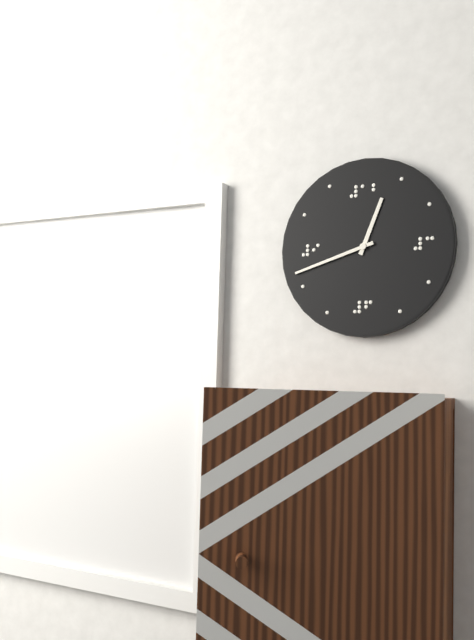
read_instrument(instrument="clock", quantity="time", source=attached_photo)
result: 12:42
